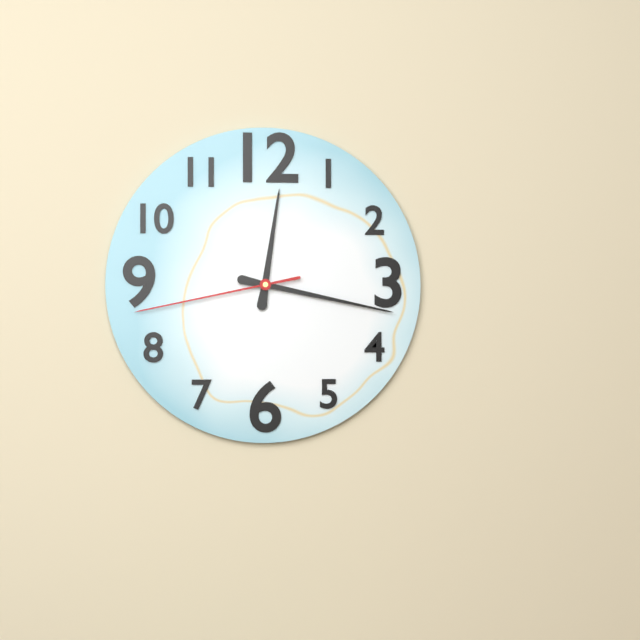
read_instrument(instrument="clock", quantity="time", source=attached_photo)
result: 12:17:43
